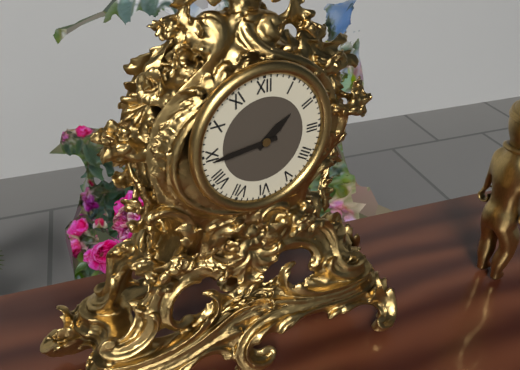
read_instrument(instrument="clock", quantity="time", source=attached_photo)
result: 1:44
